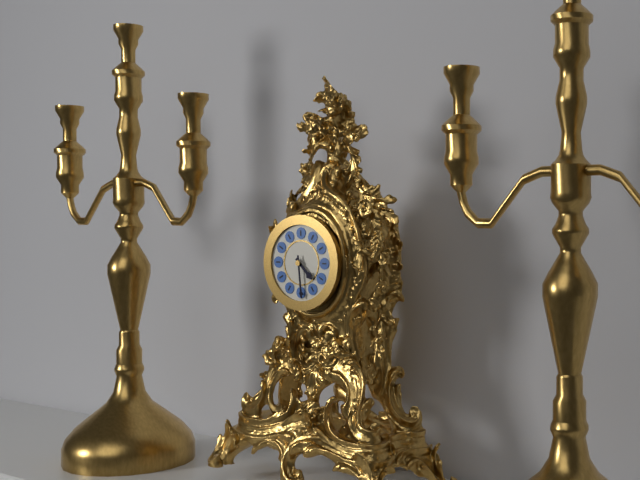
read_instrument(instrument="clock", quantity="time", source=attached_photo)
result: 4:29
